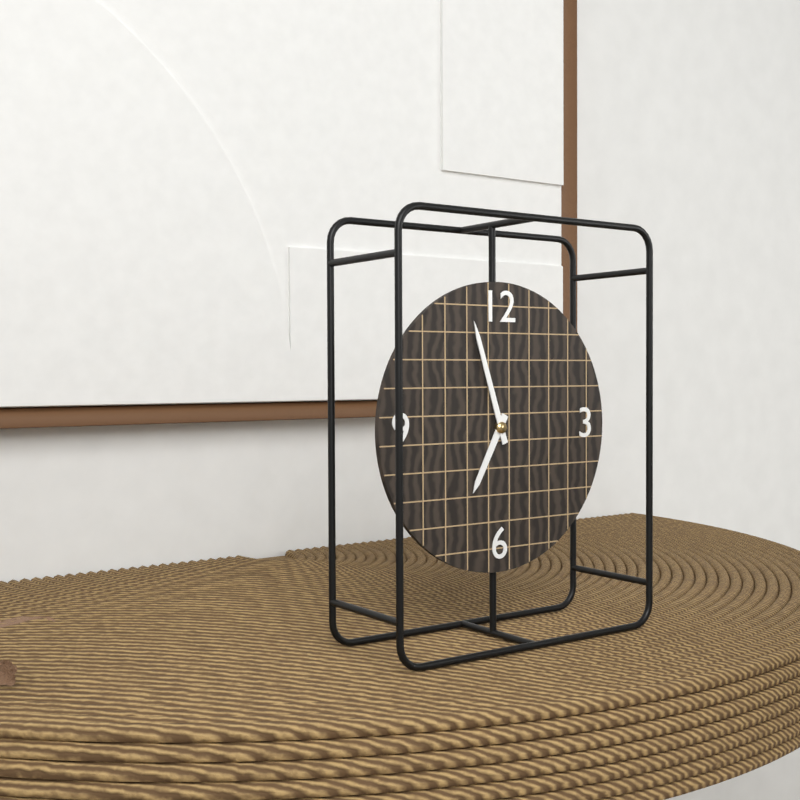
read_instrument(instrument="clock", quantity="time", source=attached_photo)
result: 6:57
